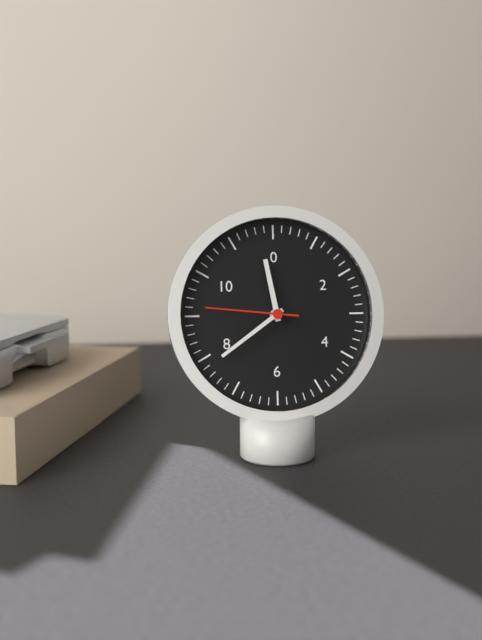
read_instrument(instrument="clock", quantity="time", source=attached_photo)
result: 11:39:46
